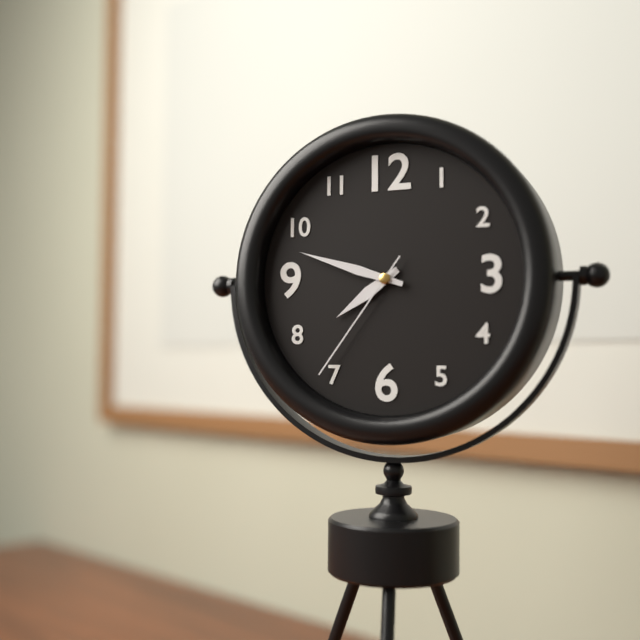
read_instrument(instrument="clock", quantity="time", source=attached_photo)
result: 7:48:36
